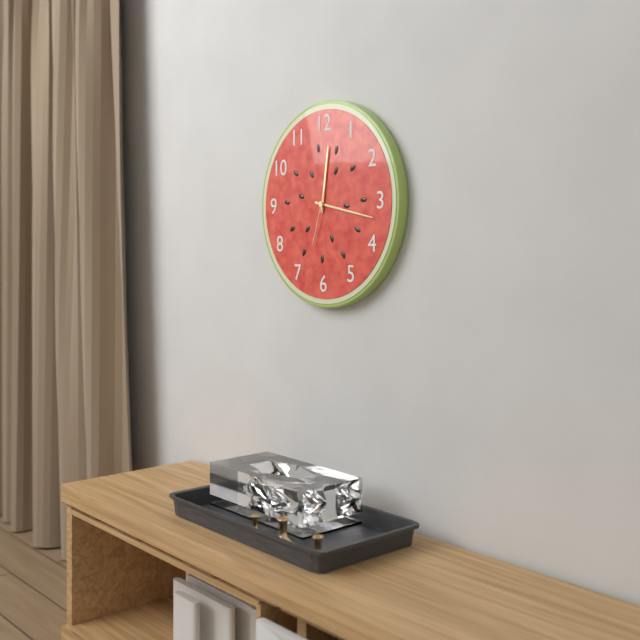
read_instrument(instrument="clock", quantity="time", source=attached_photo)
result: 12:17:33
